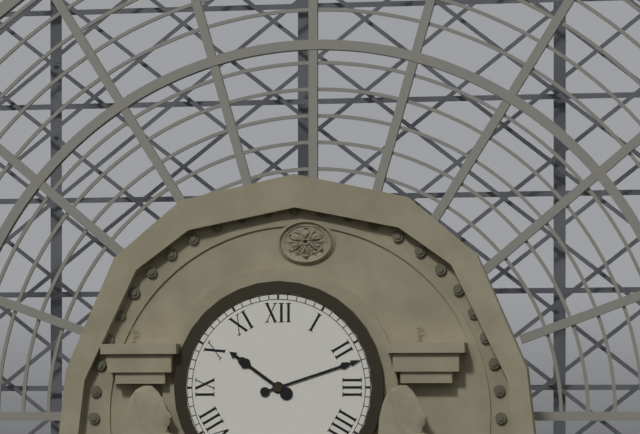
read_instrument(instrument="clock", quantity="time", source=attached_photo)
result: 10:12
